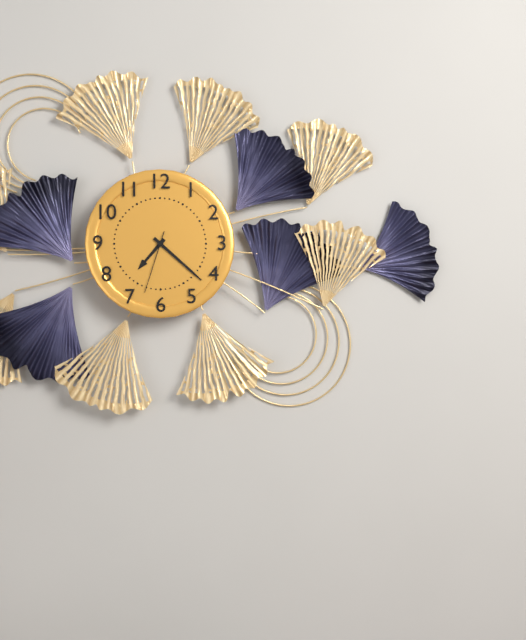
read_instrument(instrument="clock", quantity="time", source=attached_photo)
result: 7:22:33
